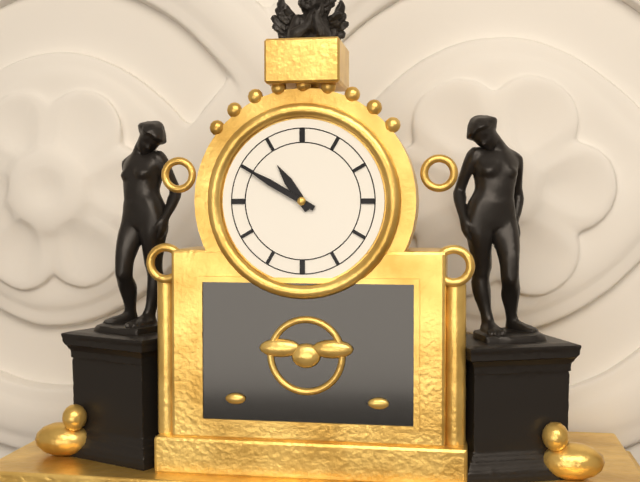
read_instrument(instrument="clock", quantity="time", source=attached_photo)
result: 10:50
